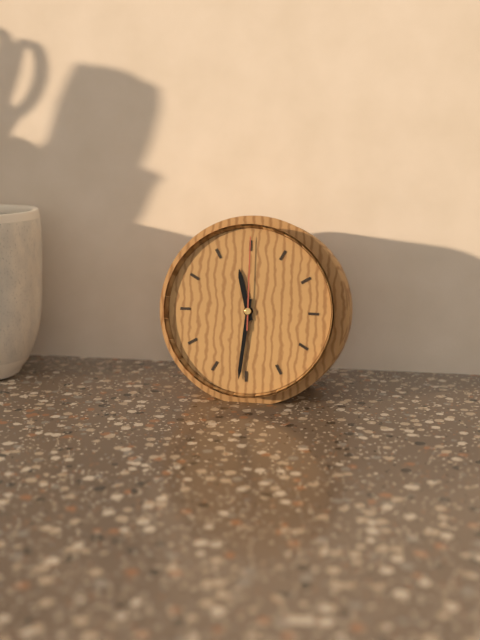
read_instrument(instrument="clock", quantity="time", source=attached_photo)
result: 11:31:00
